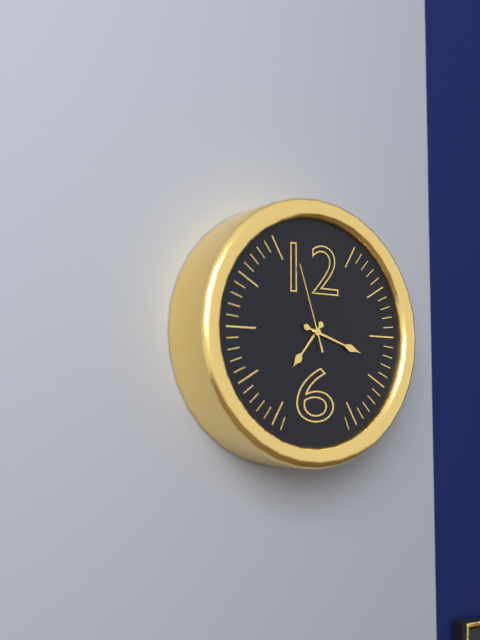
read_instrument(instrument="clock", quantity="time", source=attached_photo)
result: 7:18:57
